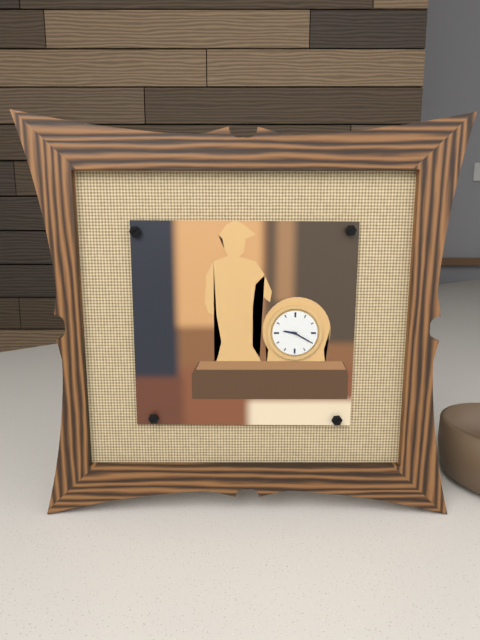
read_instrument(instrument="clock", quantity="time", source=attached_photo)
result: 9:20
